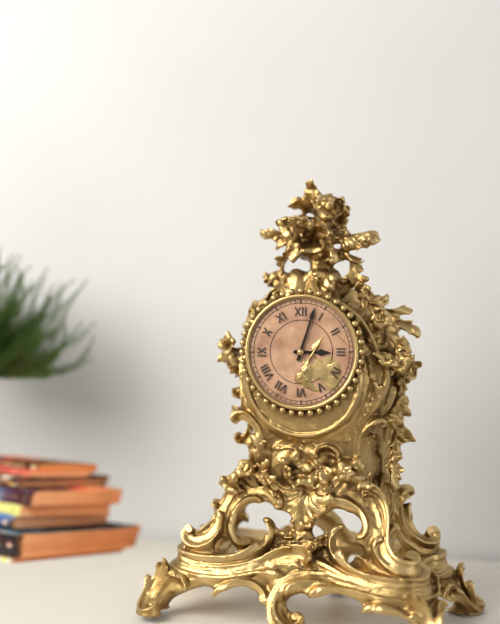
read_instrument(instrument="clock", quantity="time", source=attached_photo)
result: 3:03
